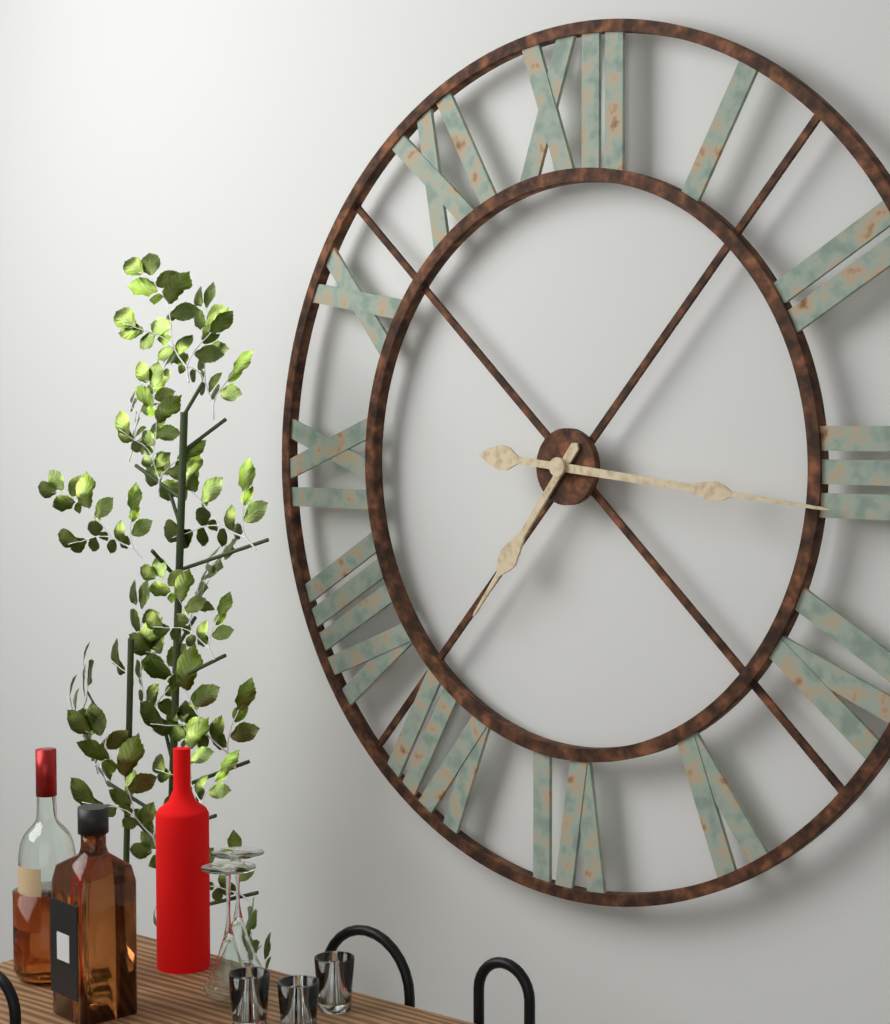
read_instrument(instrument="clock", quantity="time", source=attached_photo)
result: 7:16
